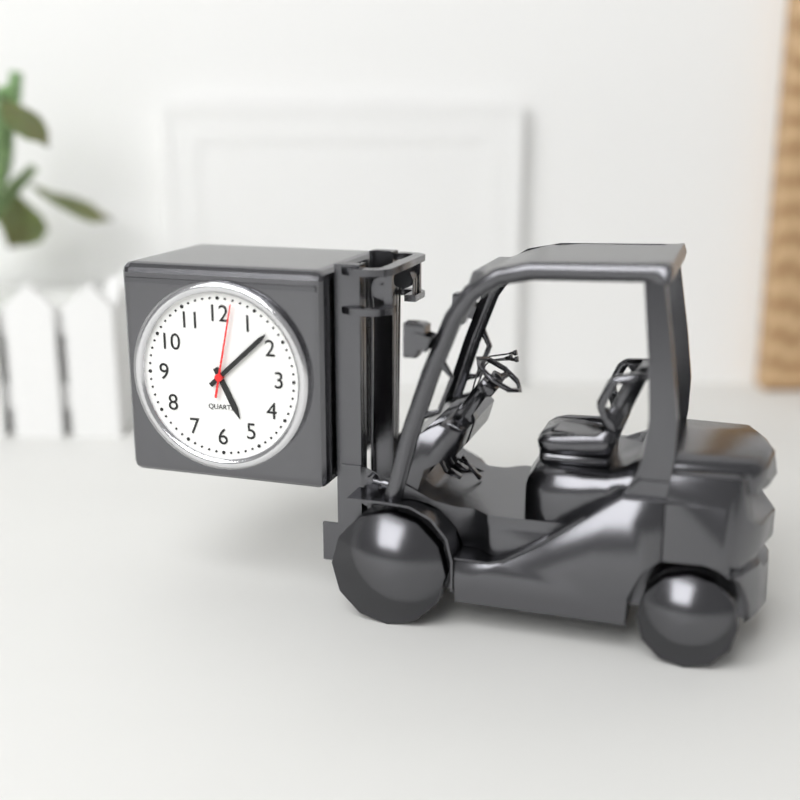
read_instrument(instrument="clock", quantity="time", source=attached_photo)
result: 5:08:02
